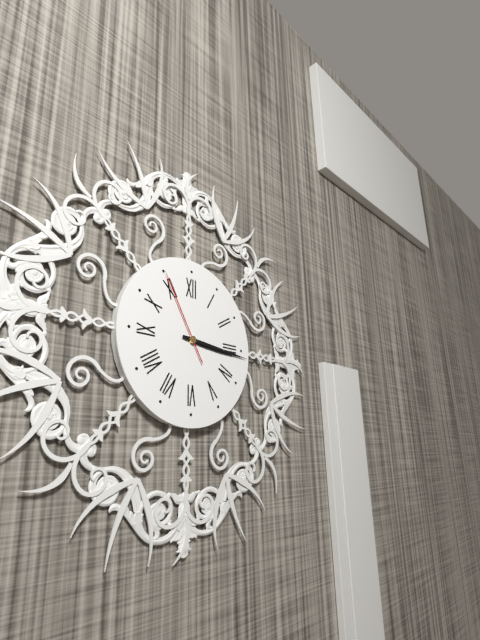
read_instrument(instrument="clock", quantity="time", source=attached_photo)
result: 3:16:55
